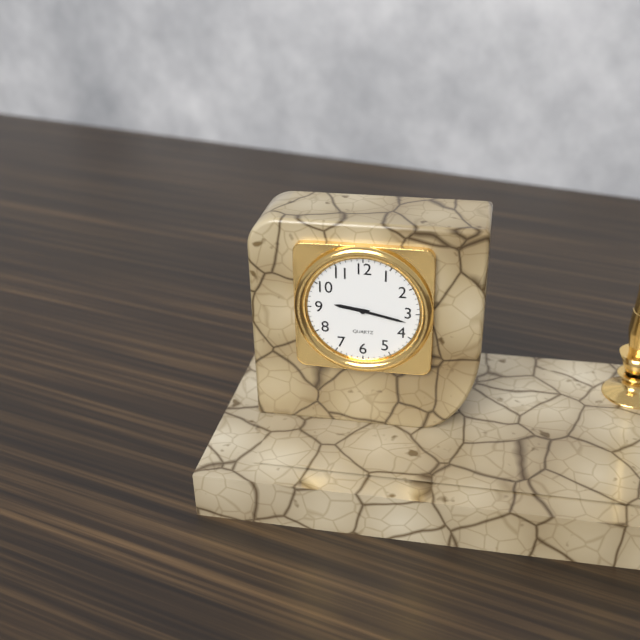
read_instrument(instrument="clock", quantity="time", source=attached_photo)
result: 9:17
